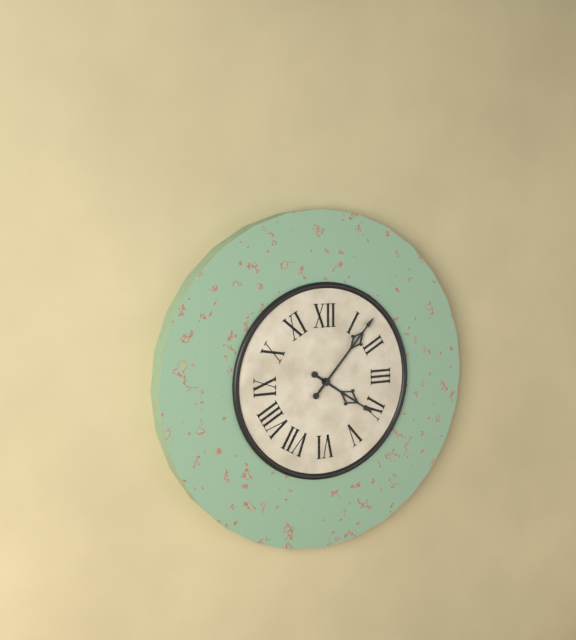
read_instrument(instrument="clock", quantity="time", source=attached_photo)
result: 4:07
